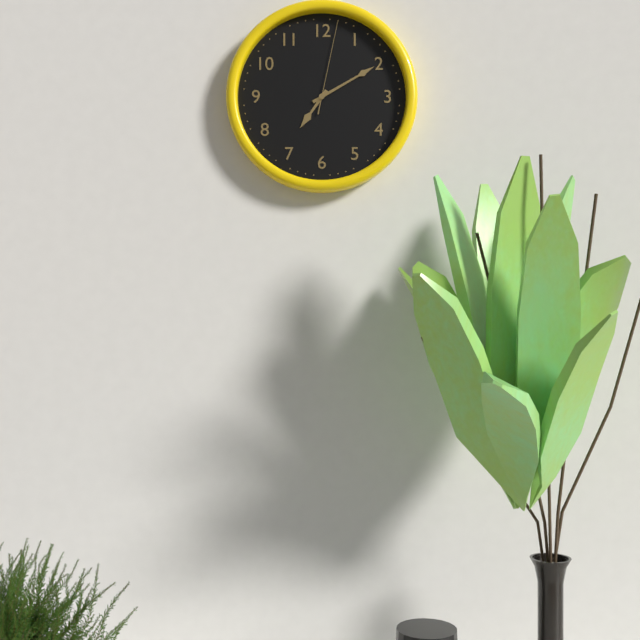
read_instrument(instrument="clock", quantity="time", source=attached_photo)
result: 7:10:02
